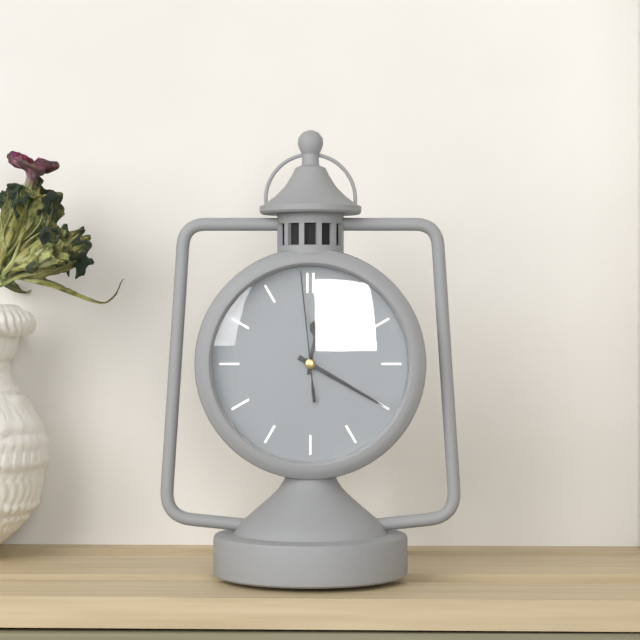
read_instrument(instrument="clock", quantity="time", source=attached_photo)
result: 12:20:59
